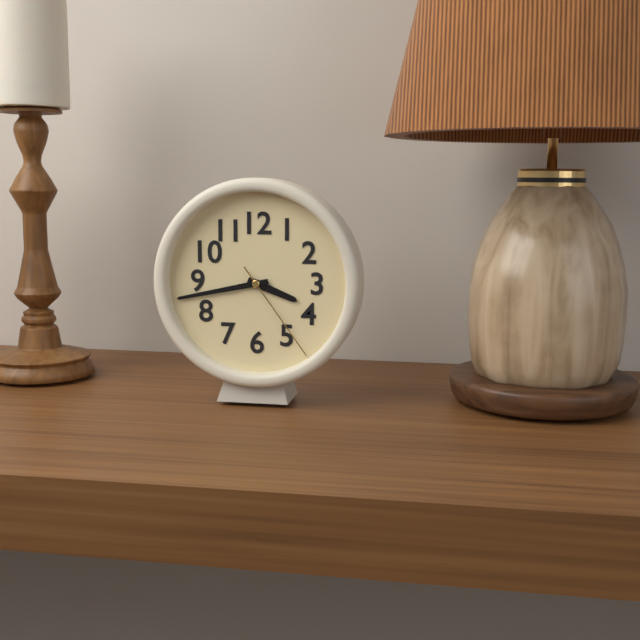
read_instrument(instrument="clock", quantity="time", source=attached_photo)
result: 3:43:24
